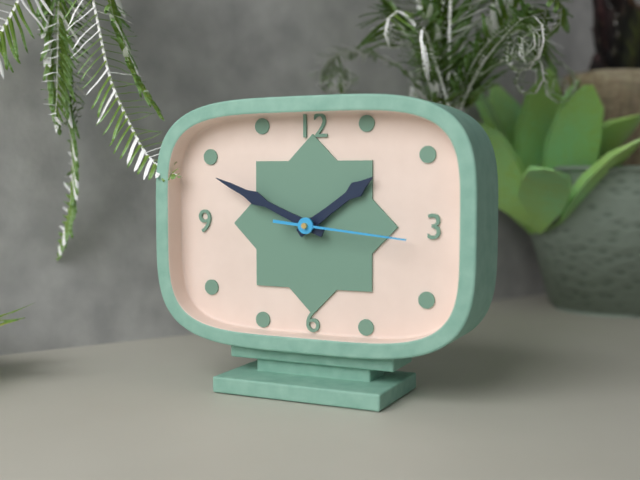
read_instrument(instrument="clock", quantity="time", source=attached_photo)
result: 1:49:16
